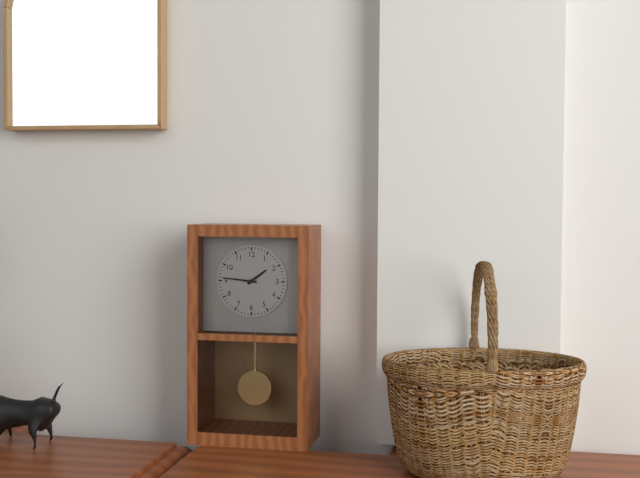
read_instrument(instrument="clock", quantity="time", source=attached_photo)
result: 1:46
